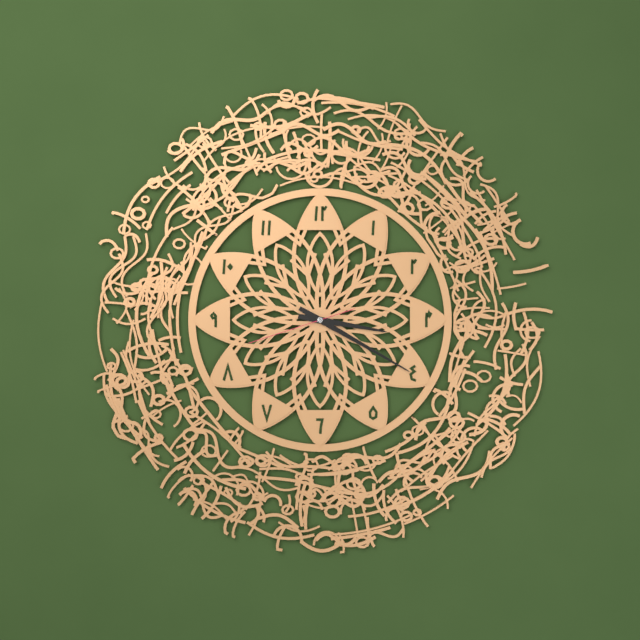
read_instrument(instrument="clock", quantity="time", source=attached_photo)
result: 3:20:42
